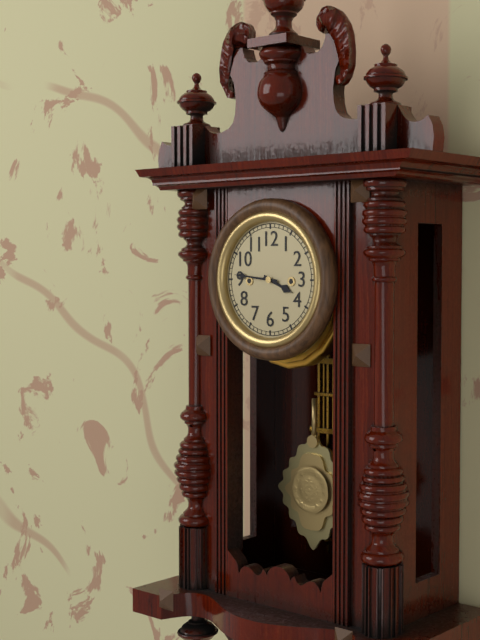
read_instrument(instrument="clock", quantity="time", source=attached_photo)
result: 3:46
